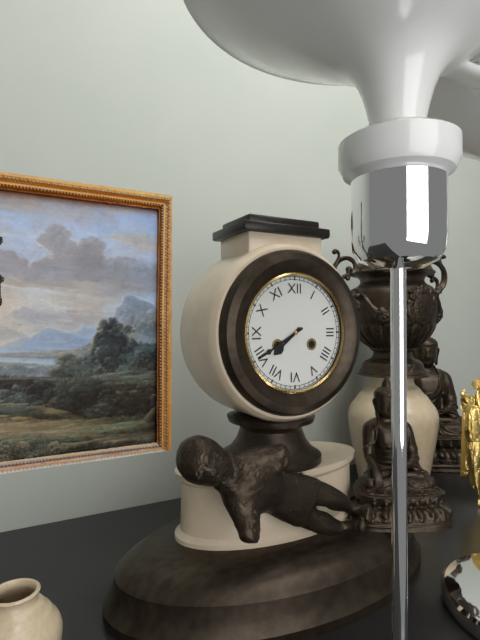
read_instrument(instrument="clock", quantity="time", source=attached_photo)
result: 7:40
